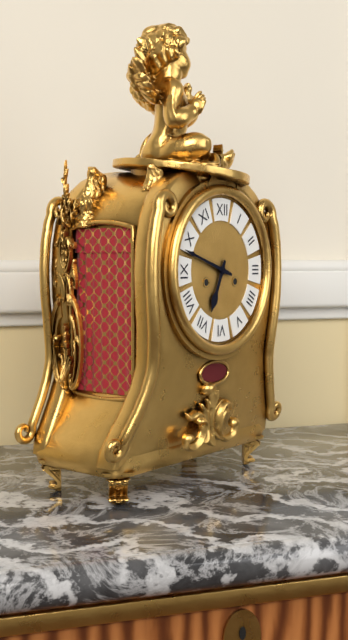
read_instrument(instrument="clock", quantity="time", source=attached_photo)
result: 6:48
